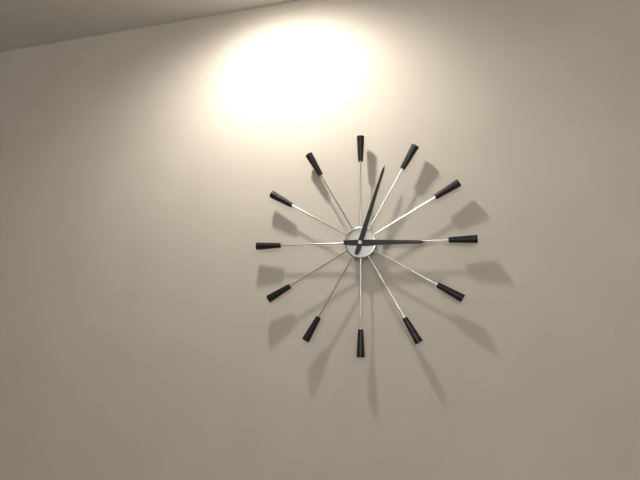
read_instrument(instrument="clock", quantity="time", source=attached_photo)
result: 3:03
